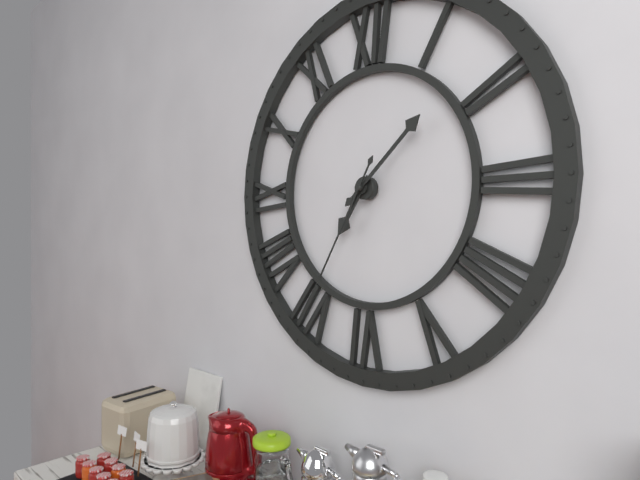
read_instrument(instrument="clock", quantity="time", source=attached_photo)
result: 7:08:35
